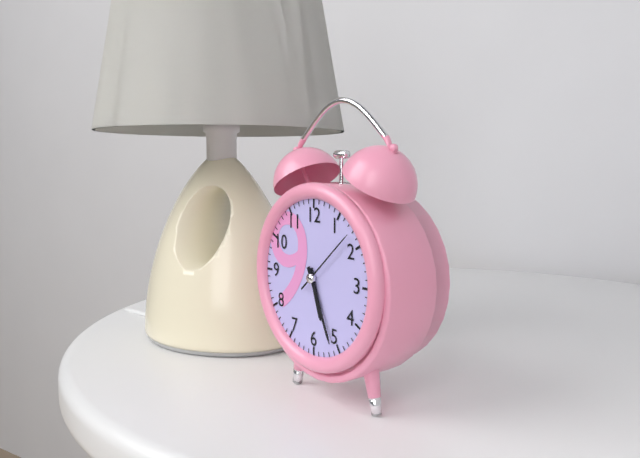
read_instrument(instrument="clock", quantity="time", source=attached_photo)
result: 5:26:08
